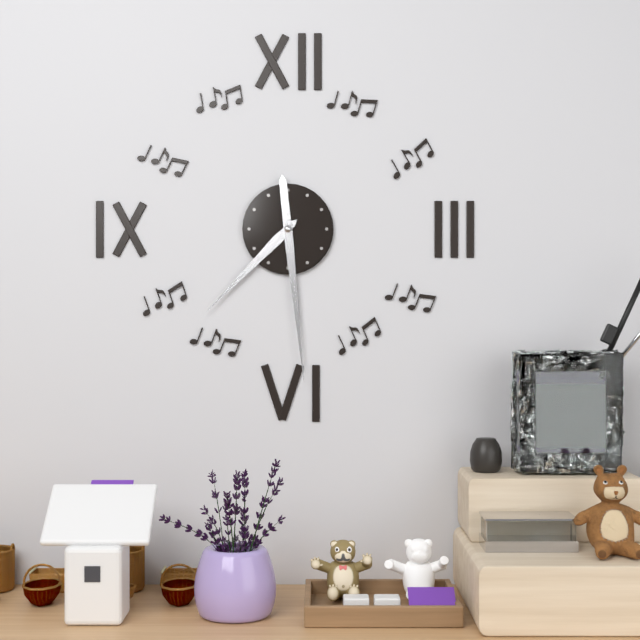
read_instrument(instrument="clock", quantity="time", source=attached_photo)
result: 7:29
